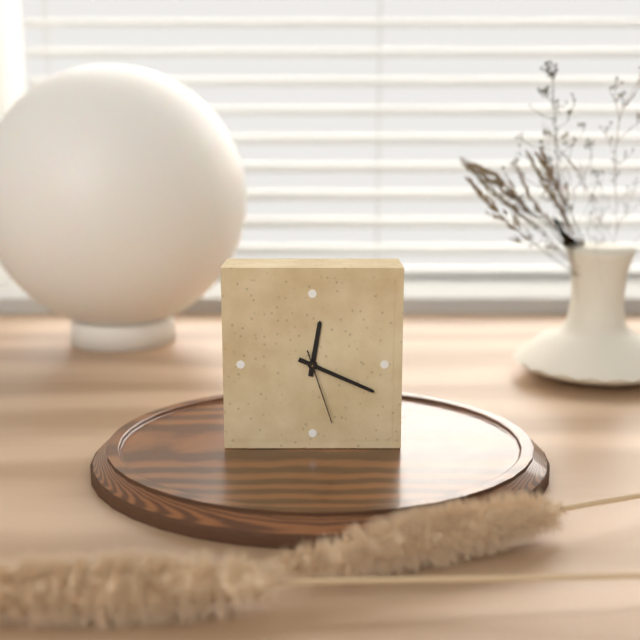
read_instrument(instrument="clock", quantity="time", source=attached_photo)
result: 12:19:27
